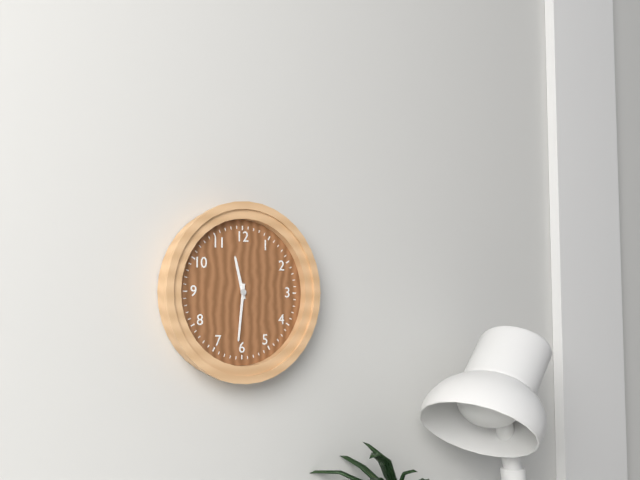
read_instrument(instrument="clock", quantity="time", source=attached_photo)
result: 11:31
